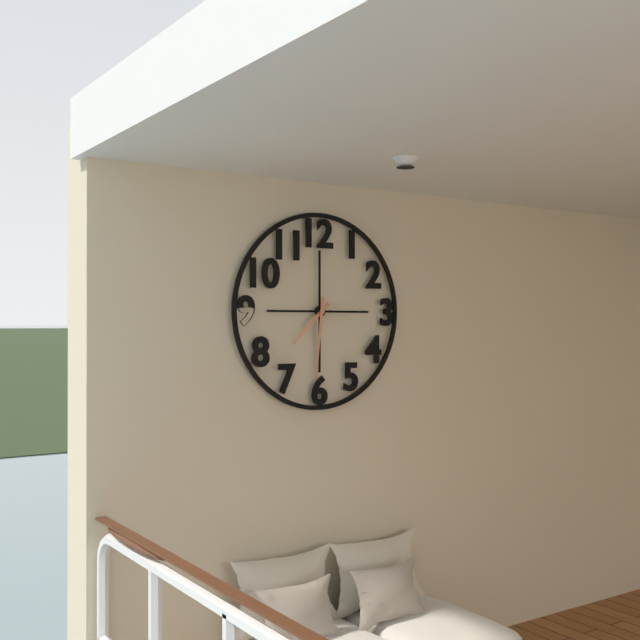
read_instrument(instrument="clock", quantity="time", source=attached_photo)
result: 7:31
